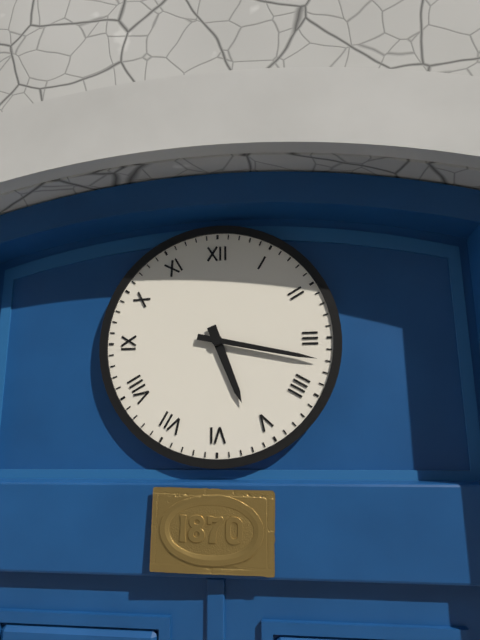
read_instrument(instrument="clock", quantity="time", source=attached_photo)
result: 5:17
